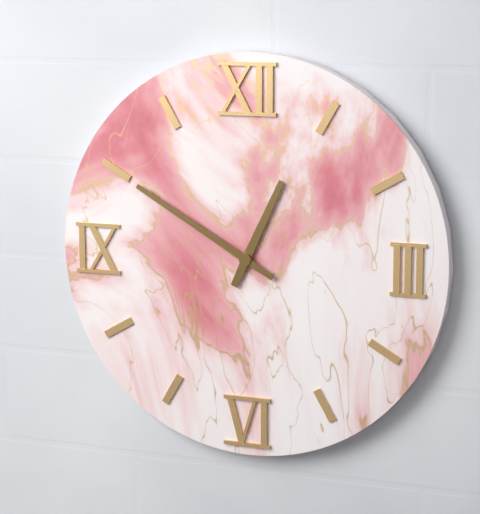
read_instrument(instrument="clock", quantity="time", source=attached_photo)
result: 12:50
